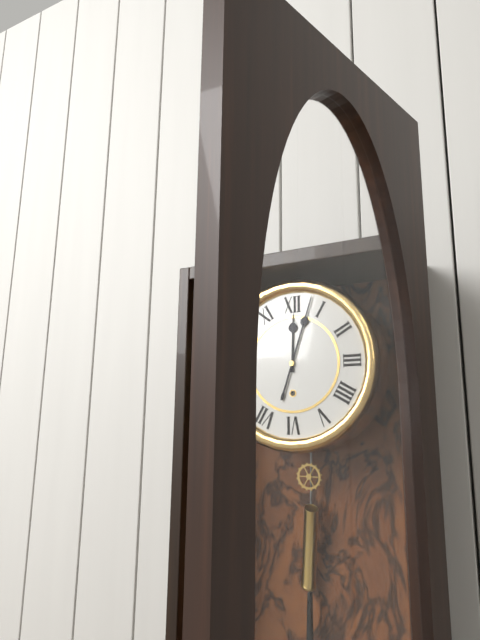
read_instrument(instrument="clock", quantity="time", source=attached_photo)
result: 12:03
